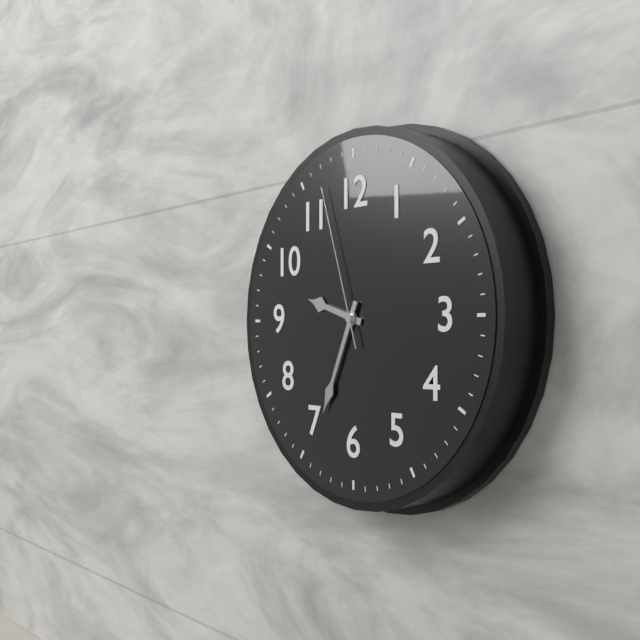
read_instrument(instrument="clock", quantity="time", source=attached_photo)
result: 9:34:57
